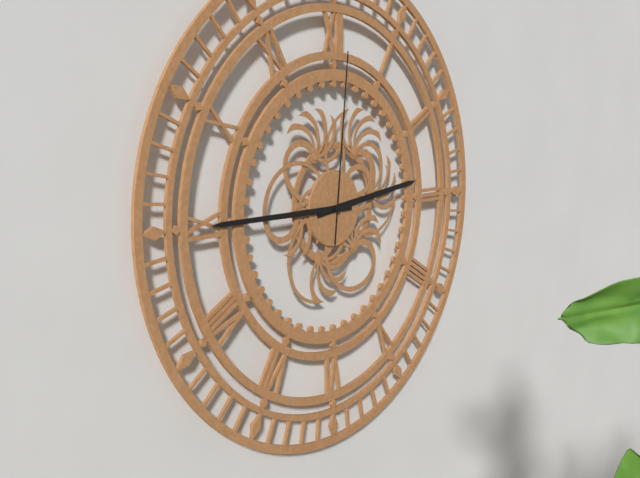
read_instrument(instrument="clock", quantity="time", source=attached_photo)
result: 2:45:01
